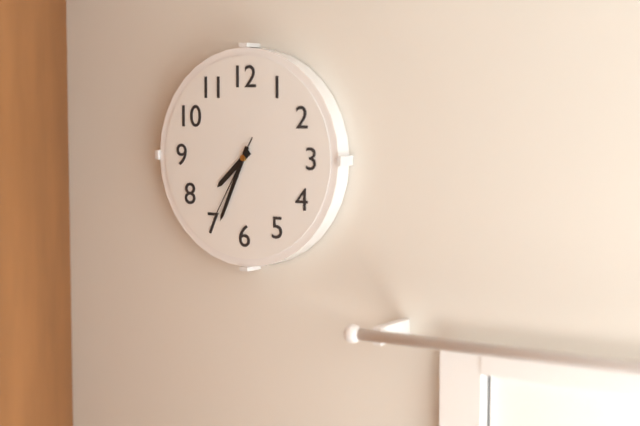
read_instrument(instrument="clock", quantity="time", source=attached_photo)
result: 7:34:35
